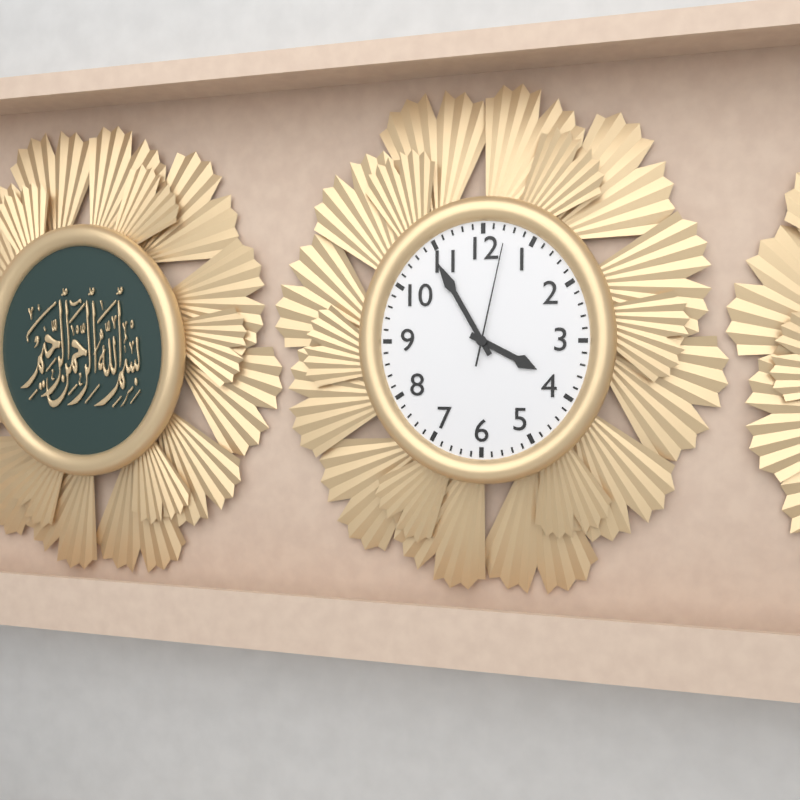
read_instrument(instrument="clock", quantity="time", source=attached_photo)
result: 3:55:02
